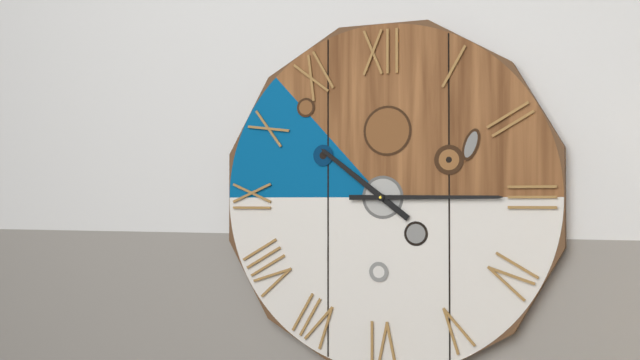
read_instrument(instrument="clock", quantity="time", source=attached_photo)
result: 10:15
